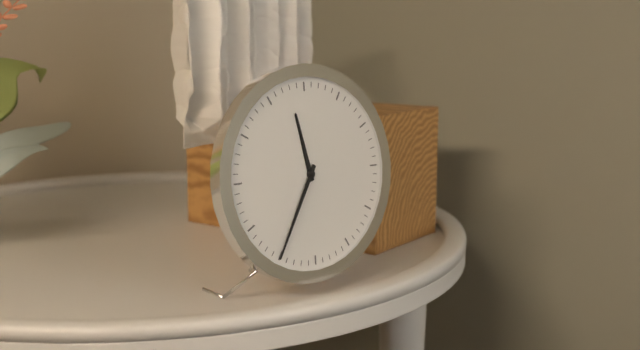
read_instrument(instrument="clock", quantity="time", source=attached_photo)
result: 11:35
